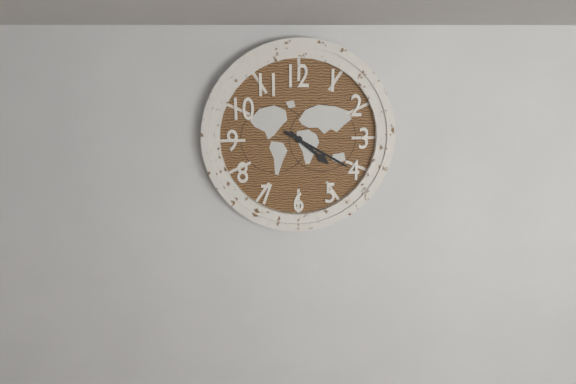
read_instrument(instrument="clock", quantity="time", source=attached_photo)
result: 4:20
